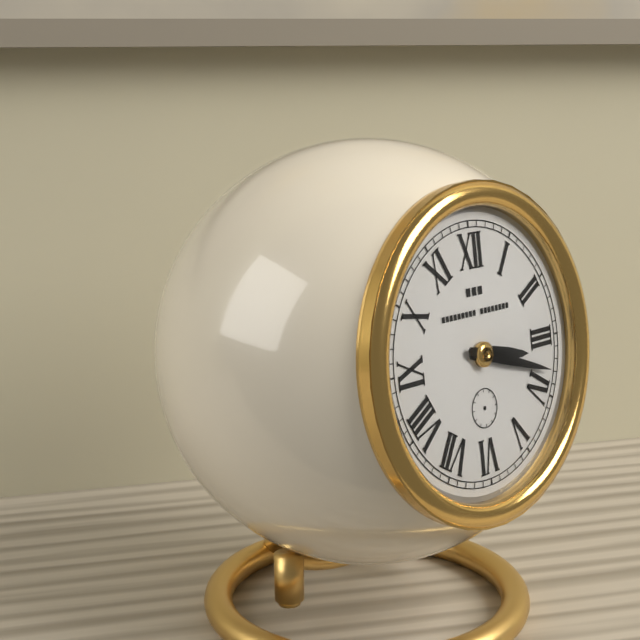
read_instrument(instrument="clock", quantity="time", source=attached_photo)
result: 3:18
